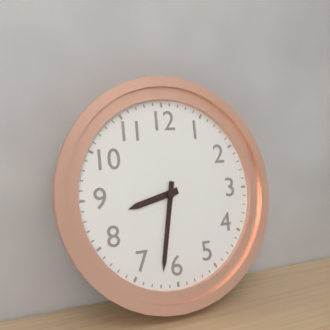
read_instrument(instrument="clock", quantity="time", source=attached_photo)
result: 8:32
